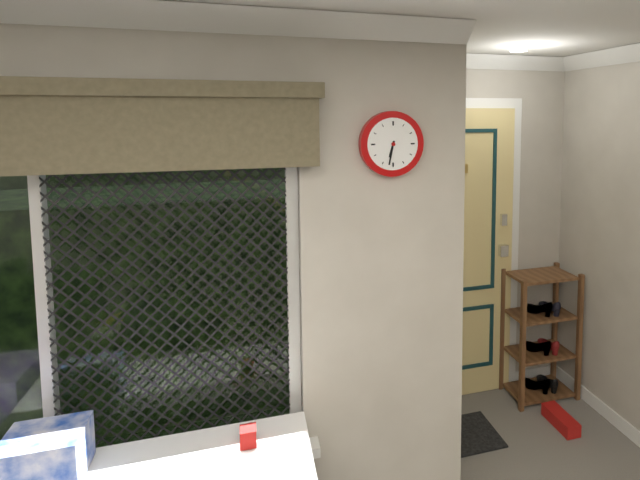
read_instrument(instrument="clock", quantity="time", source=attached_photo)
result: 6:32
